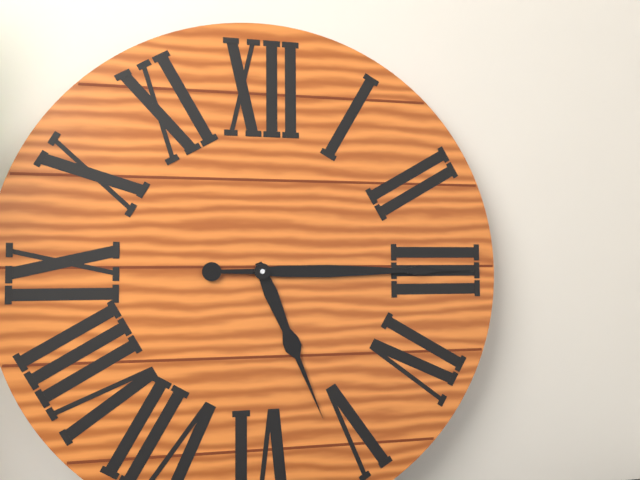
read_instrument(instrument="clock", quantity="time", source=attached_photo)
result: 5:15
